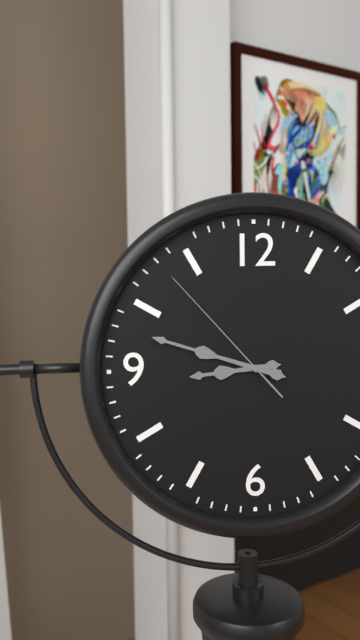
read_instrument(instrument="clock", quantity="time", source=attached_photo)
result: 8:48:53
